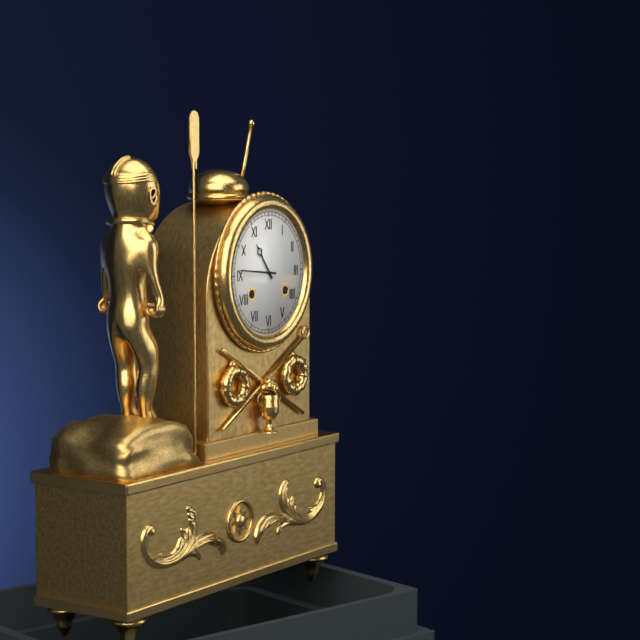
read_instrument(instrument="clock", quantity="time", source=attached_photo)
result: 10:46
